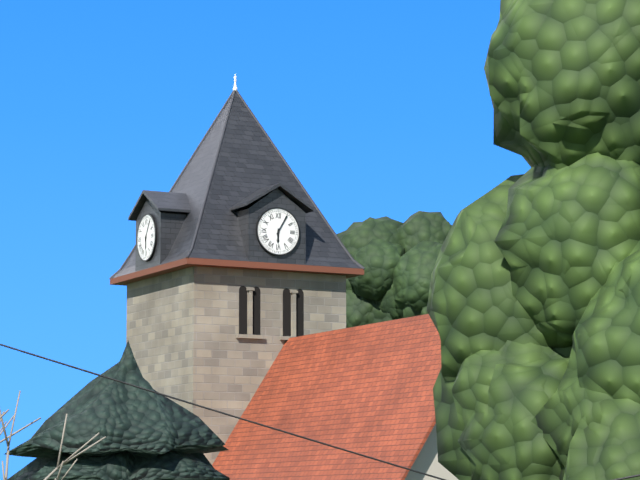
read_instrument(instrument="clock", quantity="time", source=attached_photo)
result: 6:05
